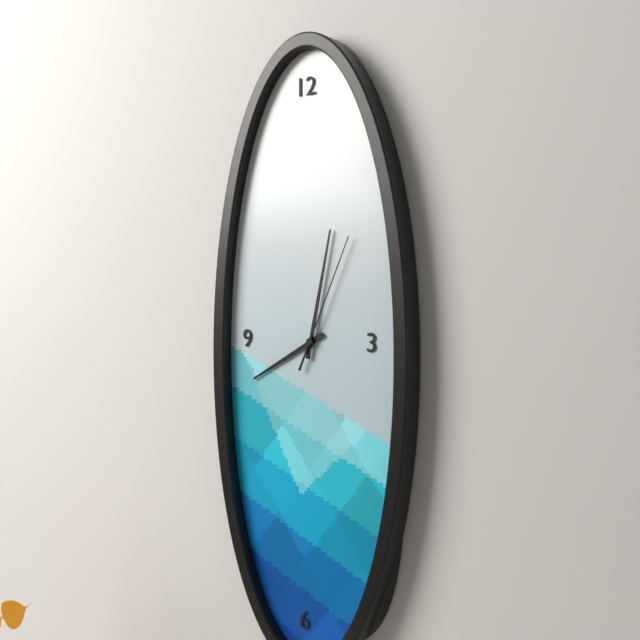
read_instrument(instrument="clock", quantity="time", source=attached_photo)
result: 8:02:04
